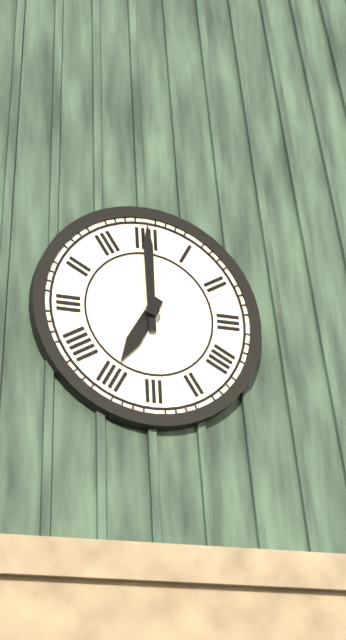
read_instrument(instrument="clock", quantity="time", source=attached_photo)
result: 7:00
